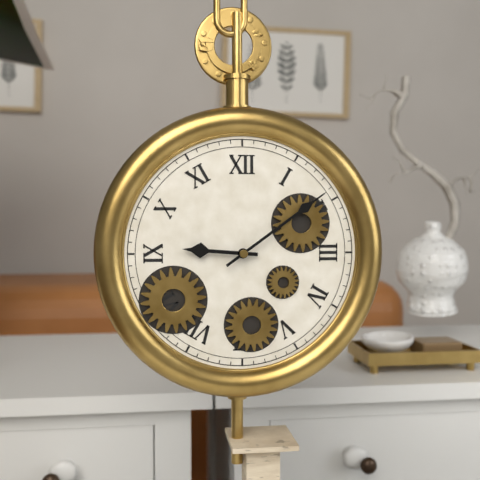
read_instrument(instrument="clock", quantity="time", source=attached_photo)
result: 9:09
